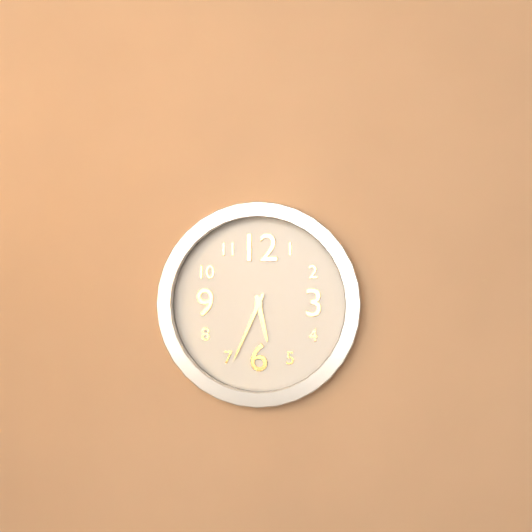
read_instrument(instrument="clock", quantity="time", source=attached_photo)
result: 5:34
